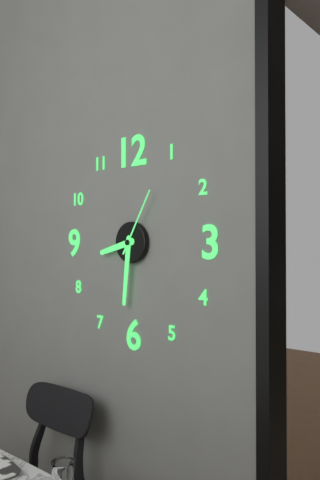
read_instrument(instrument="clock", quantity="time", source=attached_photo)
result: 8:31:05
